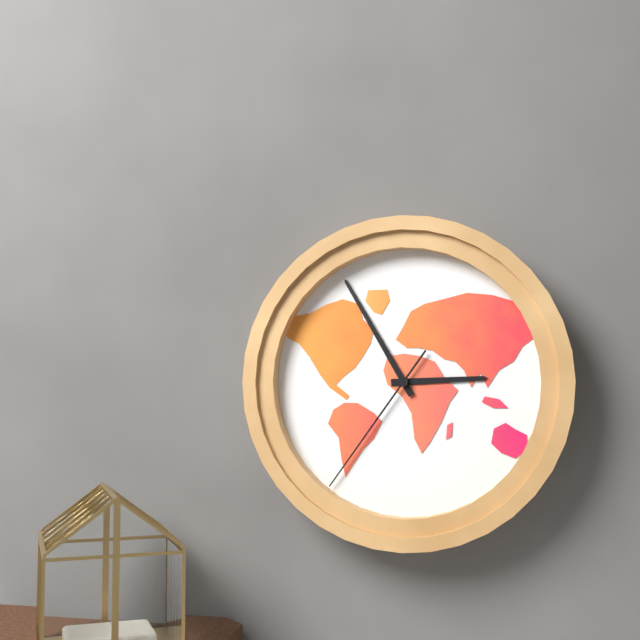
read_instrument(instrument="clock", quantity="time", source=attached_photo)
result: 2:55:36
